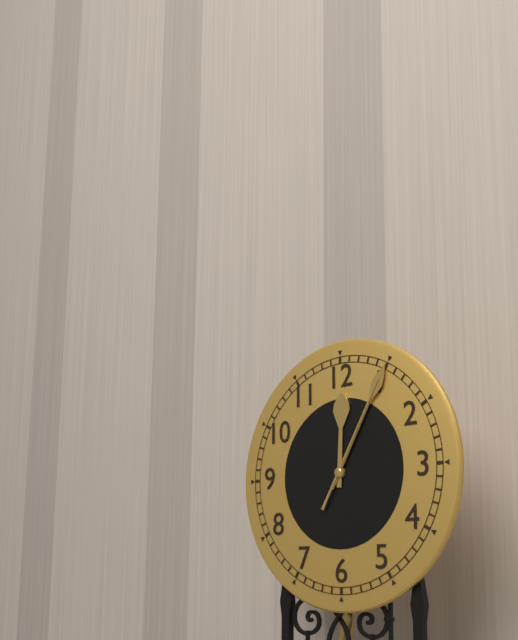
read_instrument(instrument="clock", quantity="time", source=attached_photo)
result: 12:05:05
